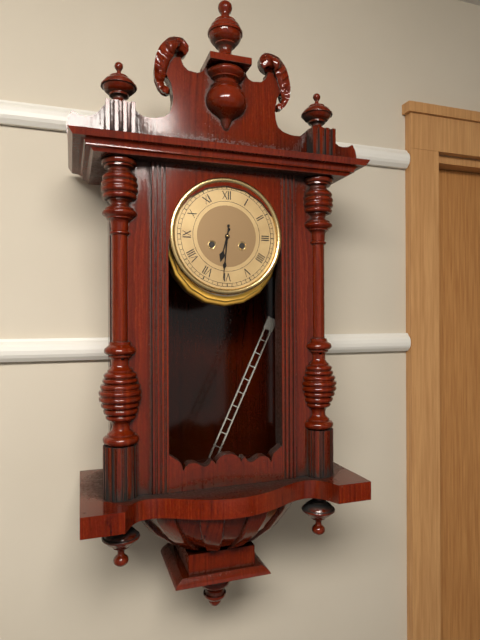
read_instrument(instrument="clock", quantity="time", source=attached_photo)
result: 6:31
